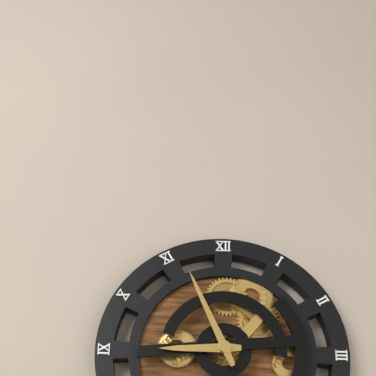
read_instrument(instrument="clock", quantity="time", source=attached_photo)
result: 8:56
